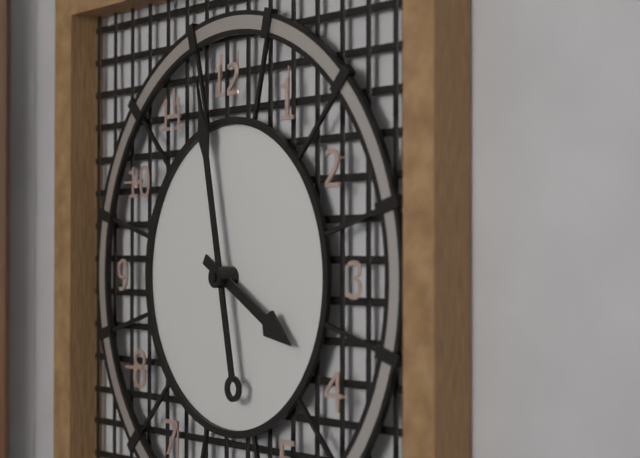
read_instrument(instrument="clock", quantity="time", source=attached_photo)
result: 3:58
